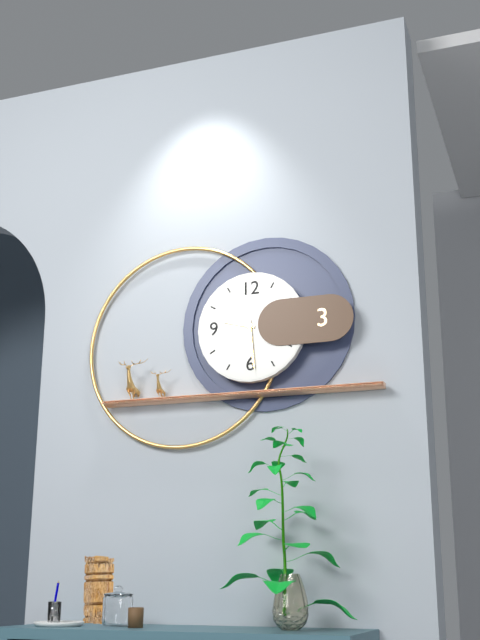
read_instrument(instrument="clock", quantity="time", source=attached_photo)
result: 9:29
